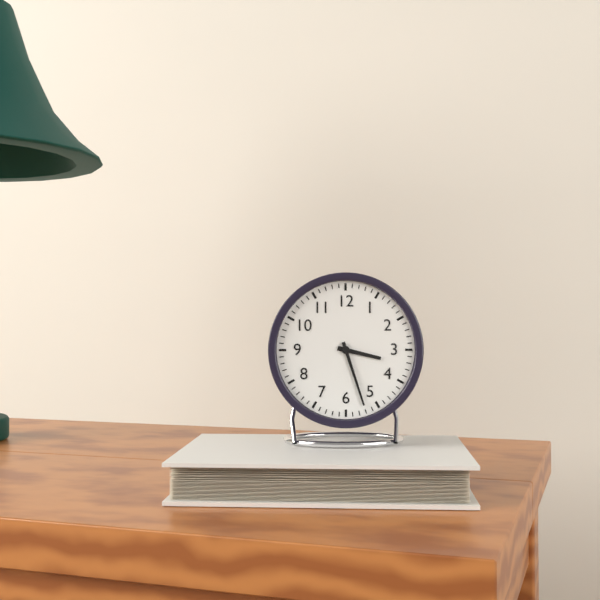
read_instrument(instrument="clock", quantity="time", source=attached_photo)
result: 3:27
